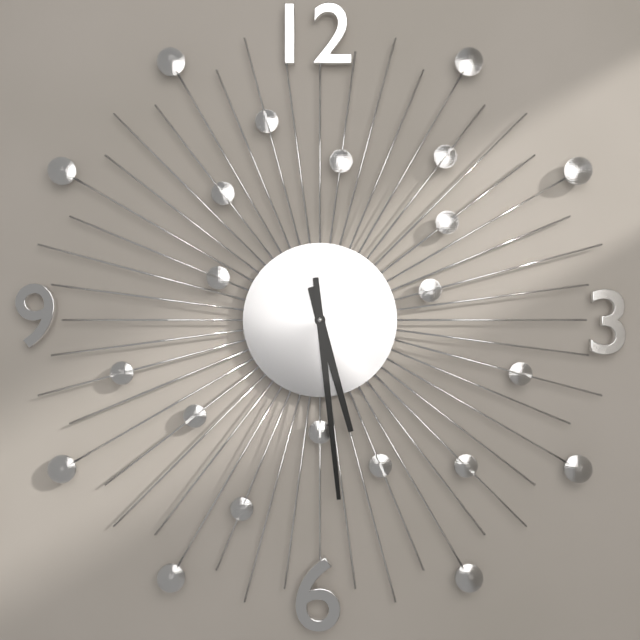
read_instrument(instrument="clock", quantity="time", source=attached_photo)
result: 5:29
